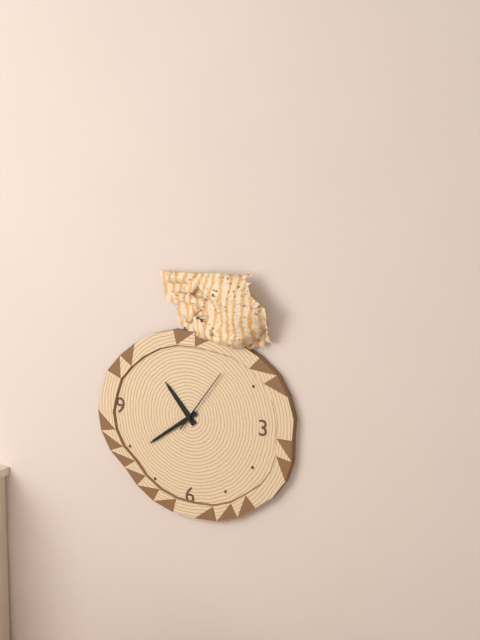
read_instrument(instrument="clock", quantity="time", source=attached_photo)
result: 10:39:06
